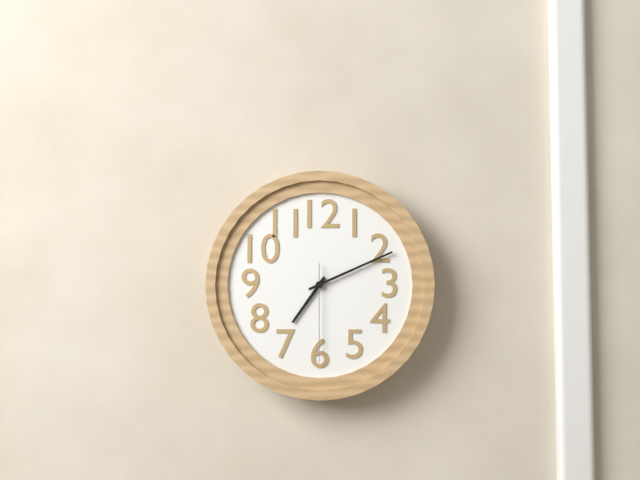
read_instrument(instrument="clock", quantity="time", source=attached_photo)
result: 7:11:30
